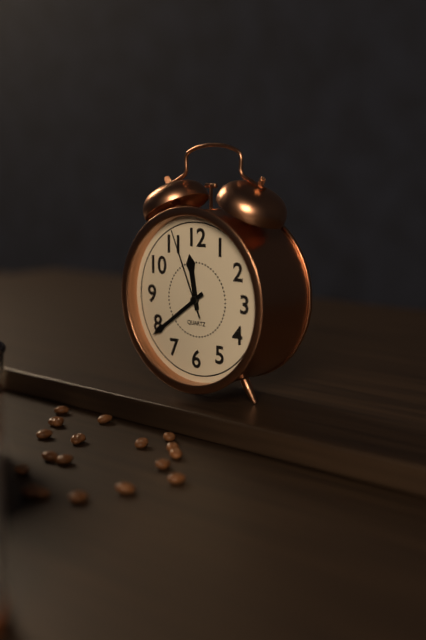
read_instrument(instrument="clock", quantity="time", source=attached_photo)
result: 11:39:56
